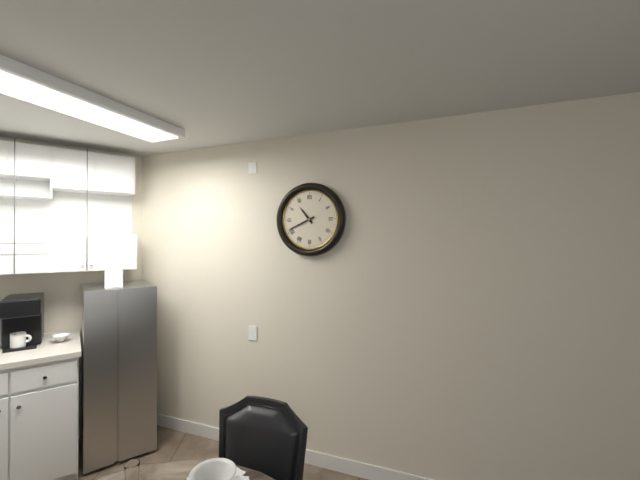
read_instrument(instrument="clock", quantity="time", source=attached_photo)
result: 10:41
